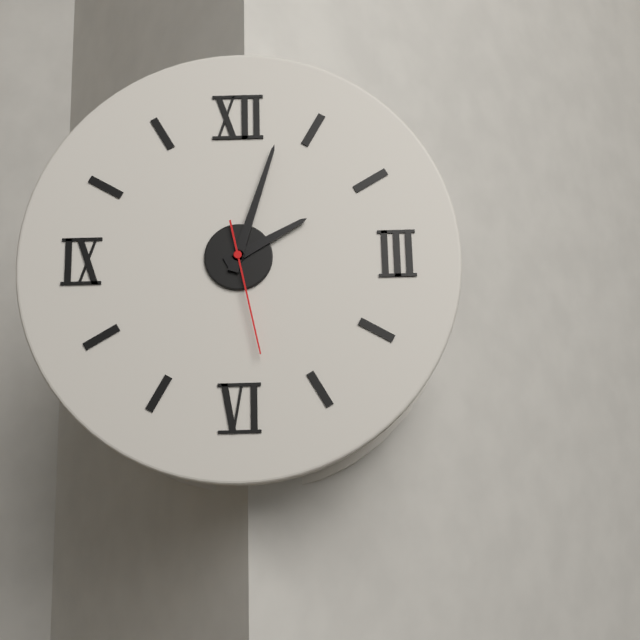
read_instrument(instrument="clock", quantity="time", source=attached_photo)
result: 2:03:28
